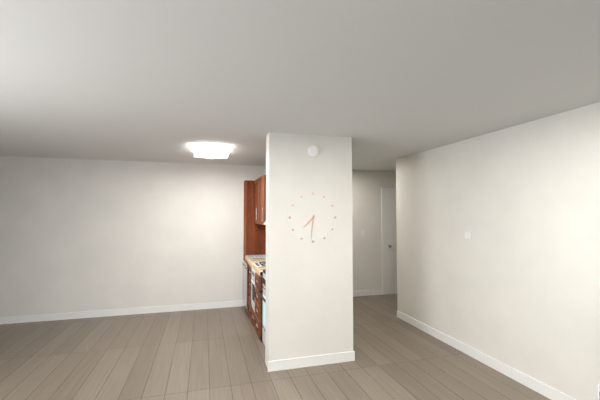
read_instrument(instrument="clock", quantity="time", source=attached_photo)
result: 7:31
